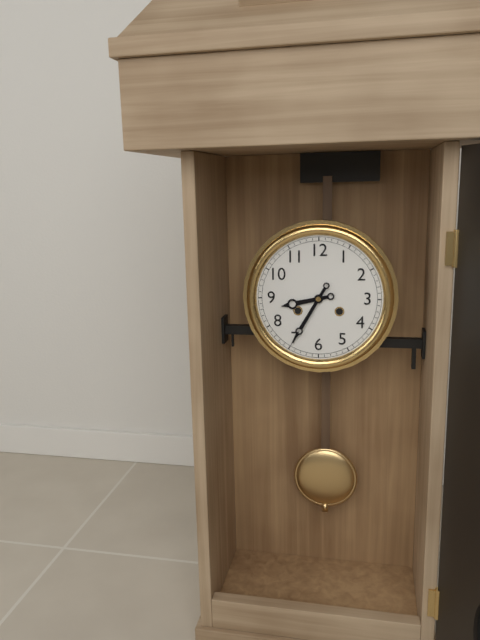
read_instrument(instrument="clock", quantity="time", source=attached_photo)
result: 8:35
